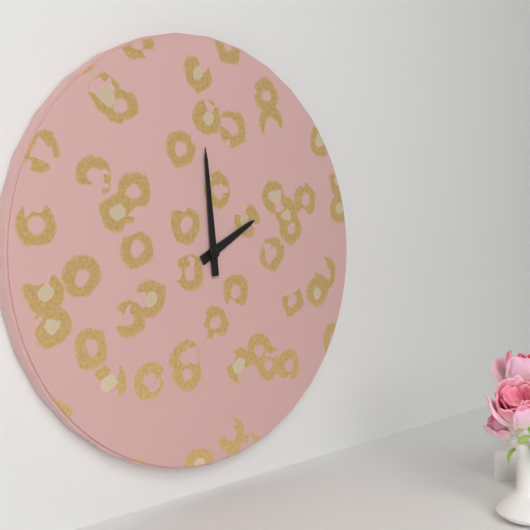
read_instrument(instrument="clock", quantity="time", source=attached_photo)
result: 1:59
